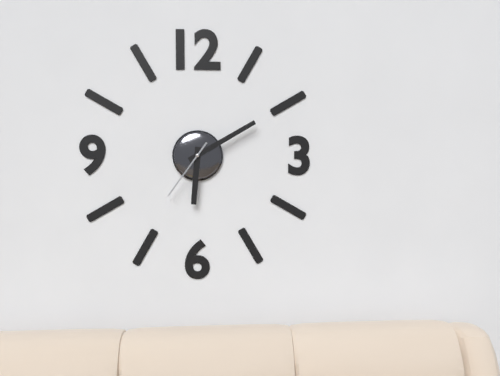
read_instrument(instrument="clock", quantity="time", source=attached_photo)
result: 6:10:36
